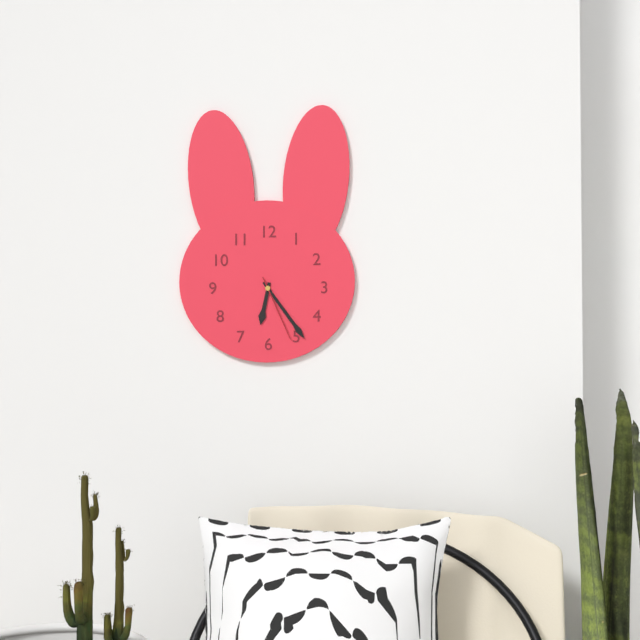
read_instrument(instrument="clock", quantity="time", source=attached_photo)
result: 6:24:26
